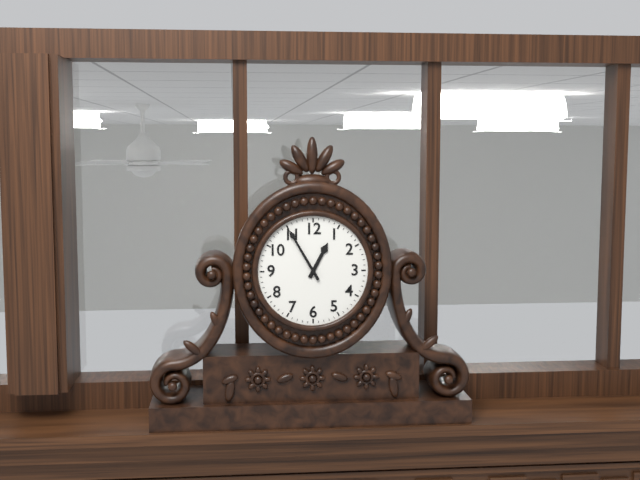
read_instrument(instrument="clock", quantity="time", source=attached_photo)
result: 12:55
